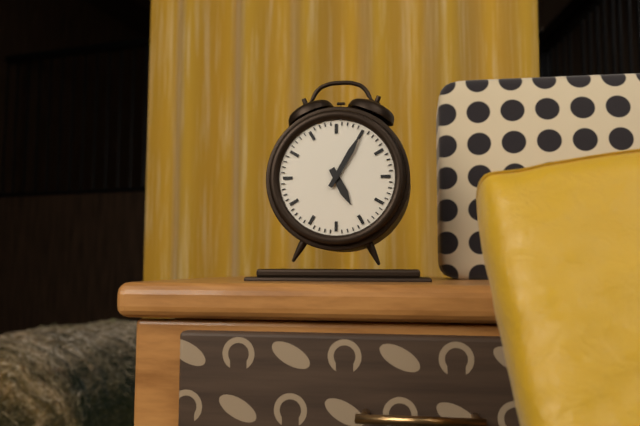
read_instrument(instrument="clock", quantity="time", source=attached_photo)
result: 5:05
